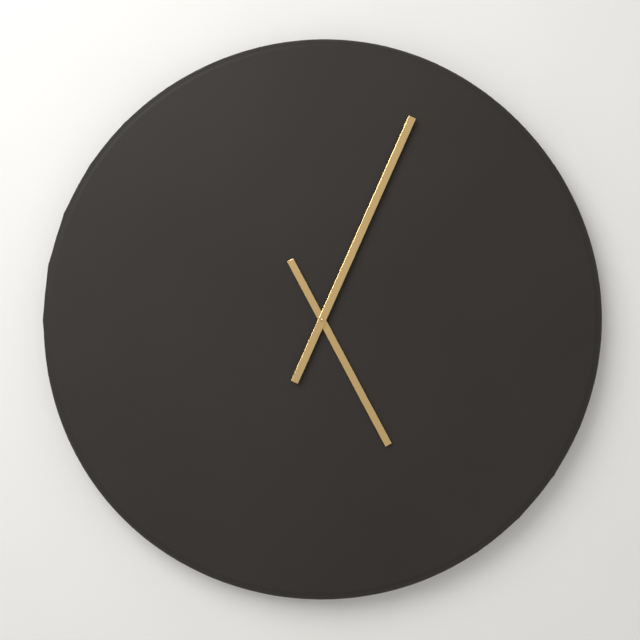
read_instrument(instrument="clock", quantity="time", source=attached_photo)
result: 5:04
